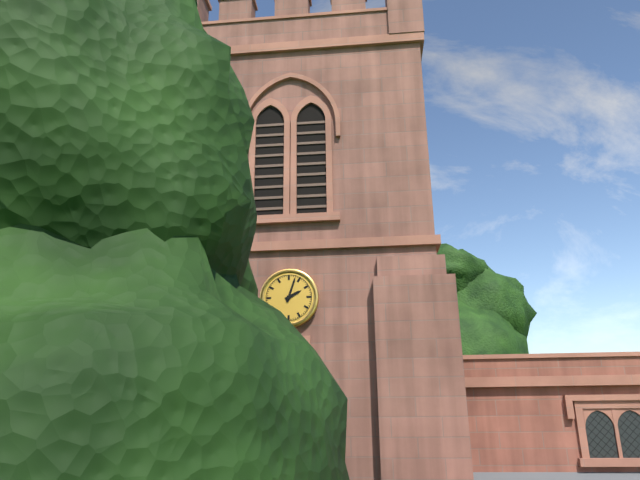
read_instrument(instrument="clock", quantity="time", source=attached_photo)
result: 2:03
